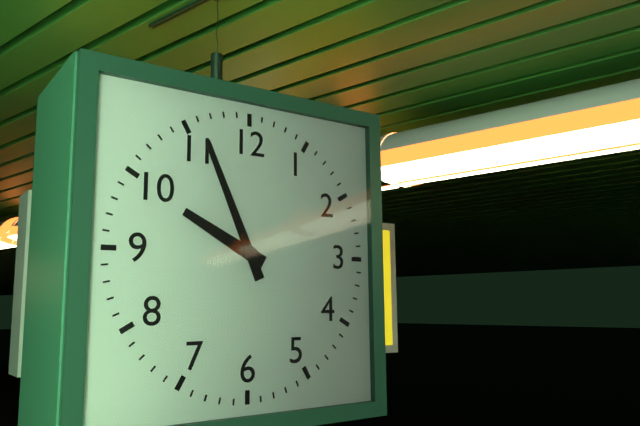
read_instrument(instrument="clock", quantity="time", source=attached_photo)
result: 9:56
